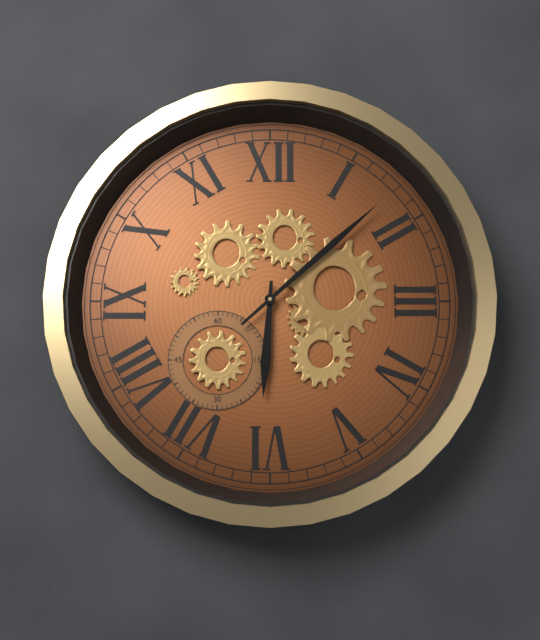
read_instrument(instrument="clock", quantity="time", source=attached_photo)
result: 6:08
